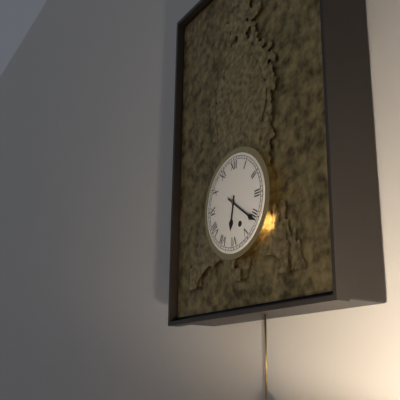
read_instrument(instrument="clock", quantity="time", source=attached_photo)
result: 6:21
